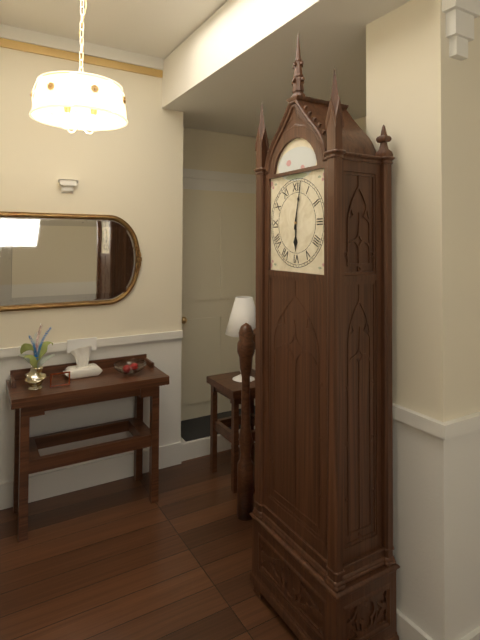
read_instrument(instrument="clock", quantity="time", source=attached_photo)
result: 6:02
